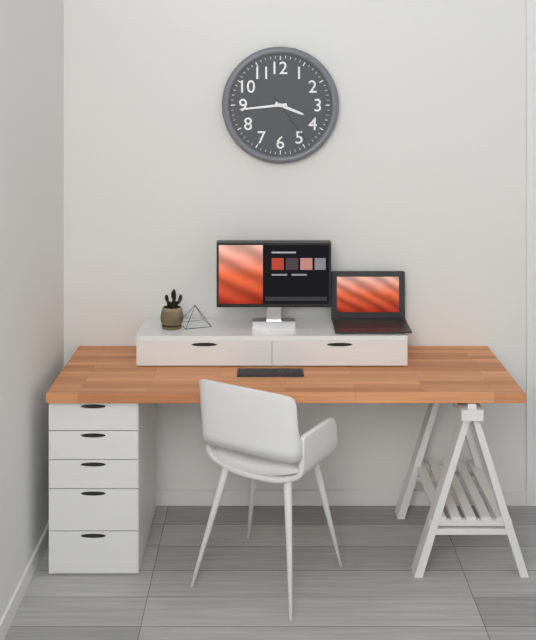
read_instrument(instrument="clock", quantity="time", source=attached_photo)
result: 3:44:24
